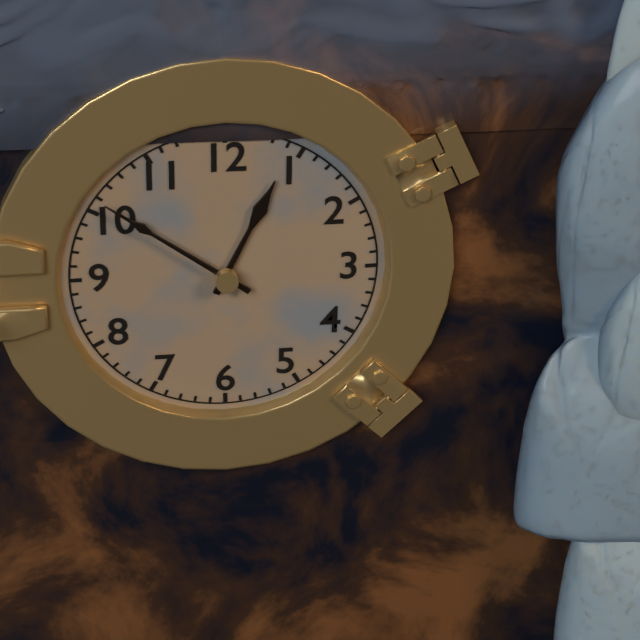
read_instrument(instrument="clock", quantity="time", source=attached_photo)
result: 12:51
